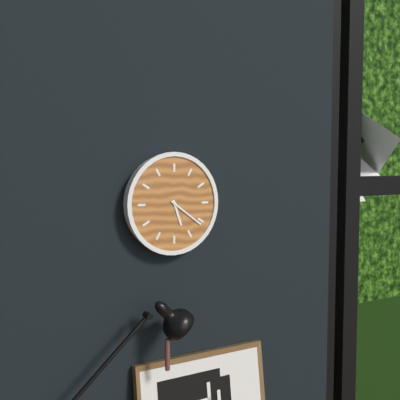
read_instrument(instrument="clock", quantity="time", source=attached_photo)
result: 5:21
